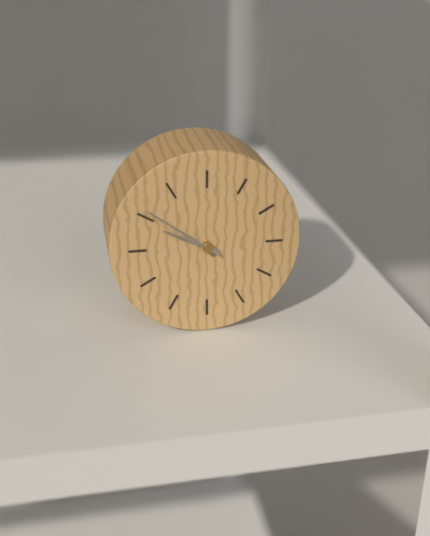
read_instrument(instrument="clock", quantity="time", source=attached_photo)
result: 9:51
